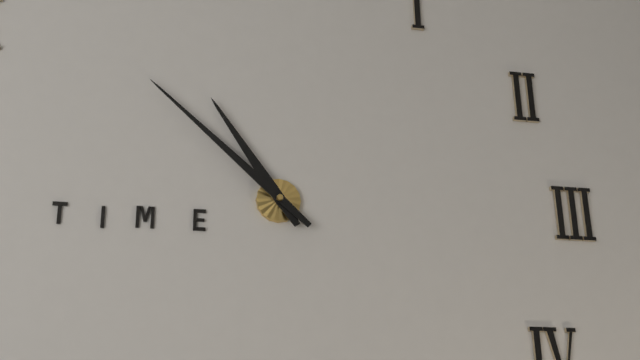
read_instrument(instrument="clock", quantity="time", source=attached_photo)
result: 10:52
